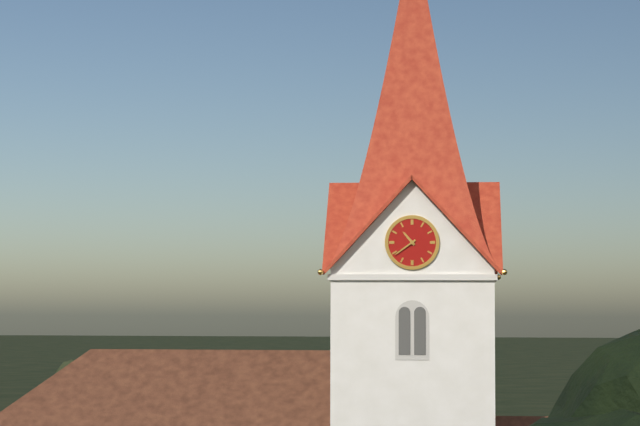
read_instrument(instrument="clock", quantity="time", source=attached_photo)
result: 10:39
